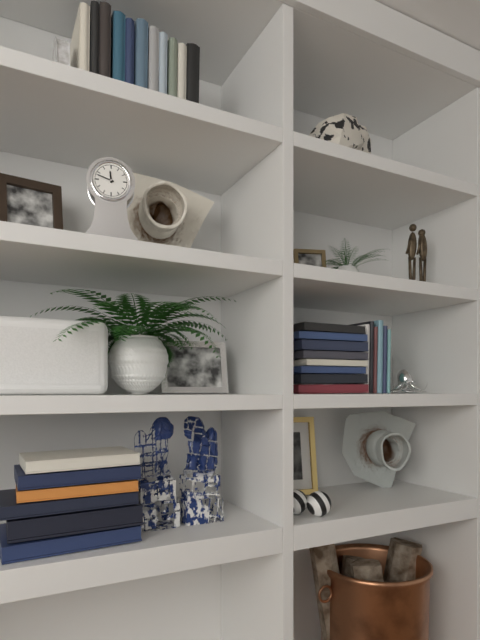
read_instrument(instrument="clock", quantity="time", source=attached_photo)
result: 11:48
